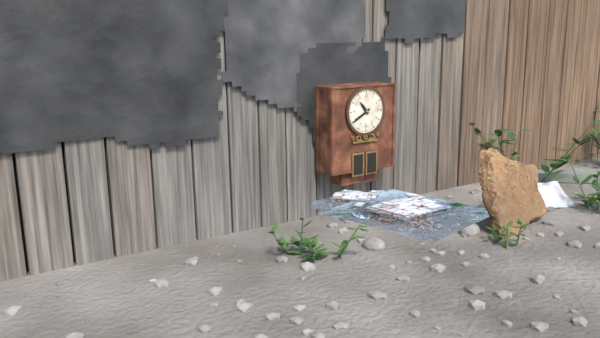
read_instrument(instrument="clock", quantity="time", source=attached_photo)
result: 10:40
